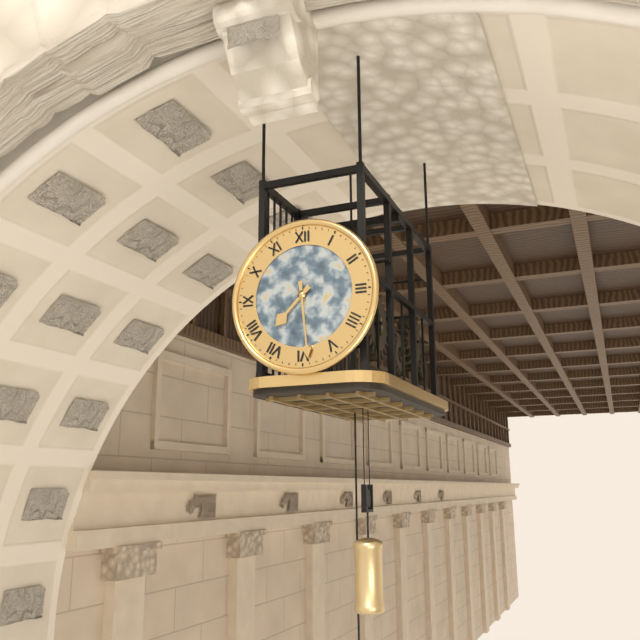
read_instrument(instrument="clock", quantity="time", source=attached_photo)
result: 7:29
